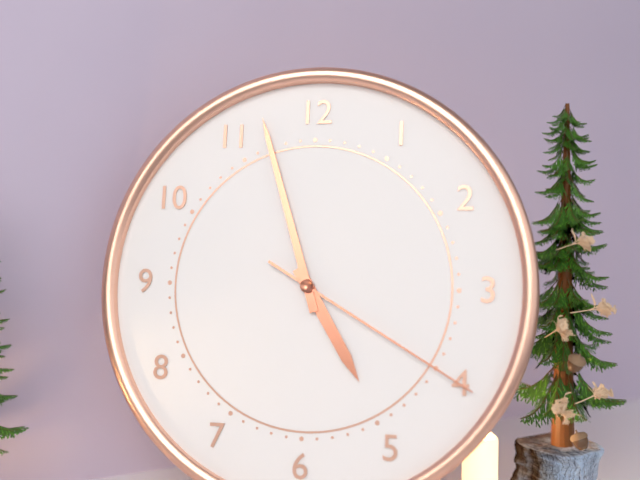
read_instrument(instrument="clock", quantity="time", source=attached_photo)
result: 4:57:20
